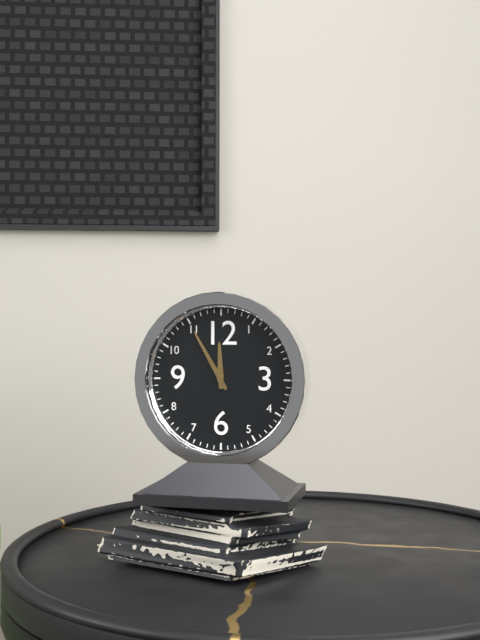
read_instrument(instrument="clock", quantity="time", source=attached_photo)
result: 11:55
